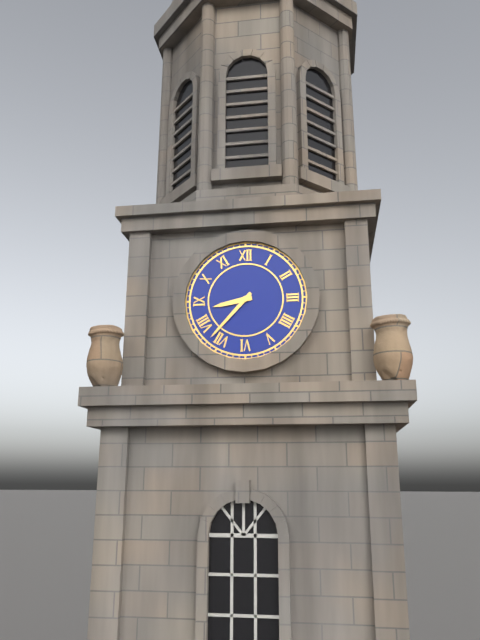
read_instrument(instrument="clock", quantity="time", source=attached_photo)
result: 8:37
